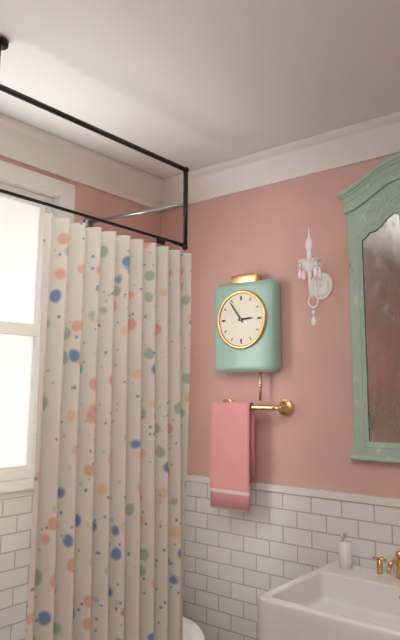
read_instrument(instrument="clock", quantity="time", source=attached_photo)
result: 2:54
